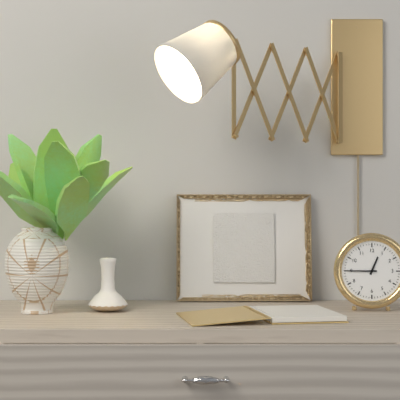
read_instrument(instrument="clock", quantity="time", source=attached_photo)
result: 12:45
